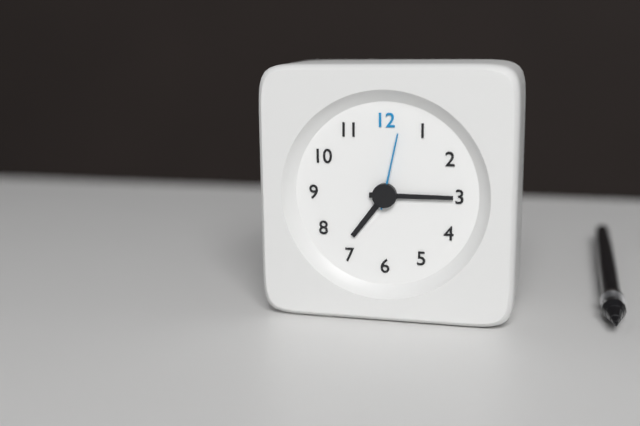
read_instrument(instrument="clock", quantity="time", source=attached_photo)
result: 7:15:02
